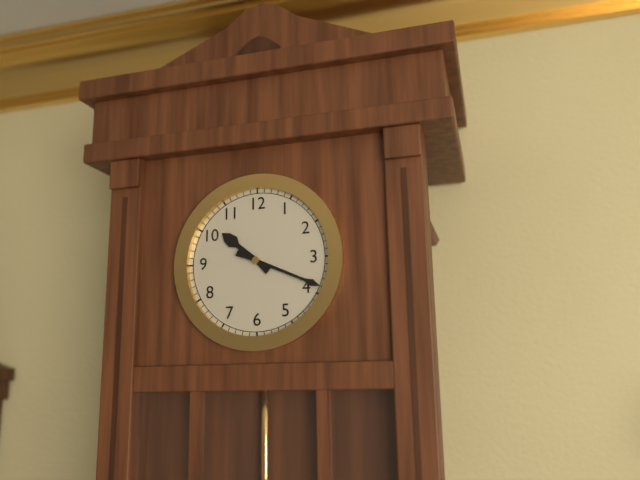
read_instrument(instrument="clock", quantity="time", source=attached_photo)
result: 10:19
